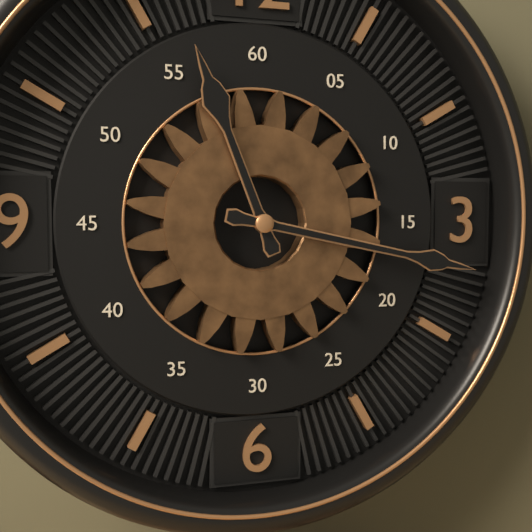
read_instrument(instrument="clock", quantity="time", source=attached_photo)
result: 11:17
